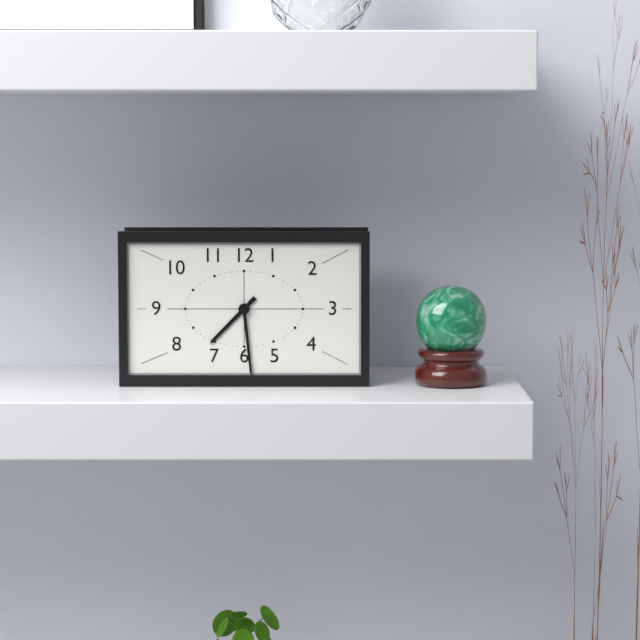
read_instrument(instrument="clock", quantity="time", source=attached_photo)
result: 7:29
